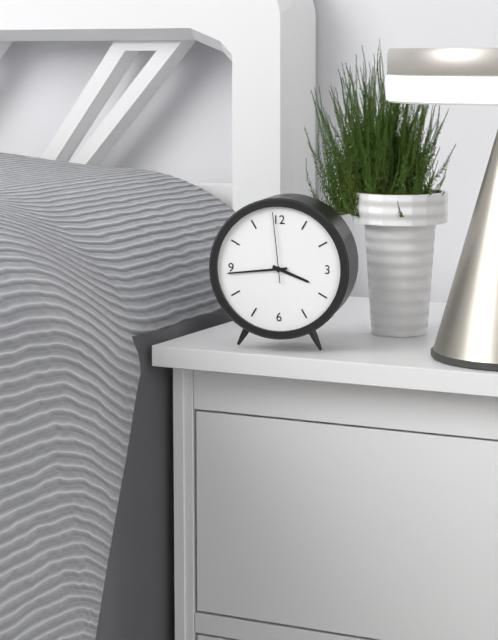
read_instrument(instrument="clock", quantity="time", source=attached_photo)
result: 3:44:59
